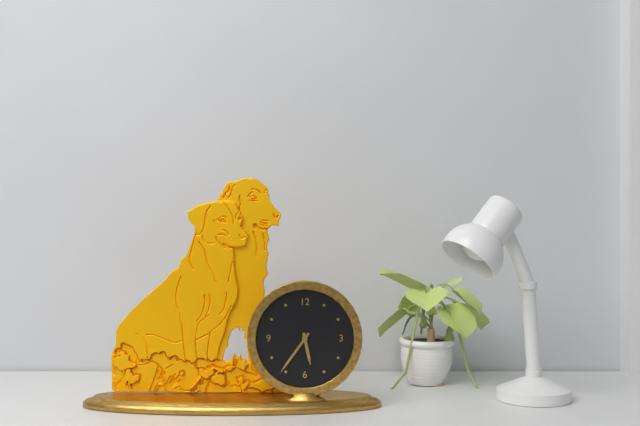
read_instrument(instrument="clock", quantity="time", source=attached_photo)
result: 5:36
